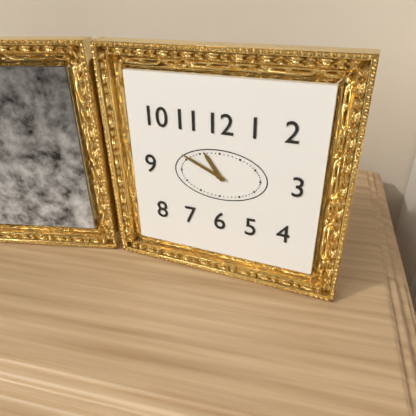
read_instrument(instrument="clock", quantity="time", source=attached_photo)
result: 10:49
